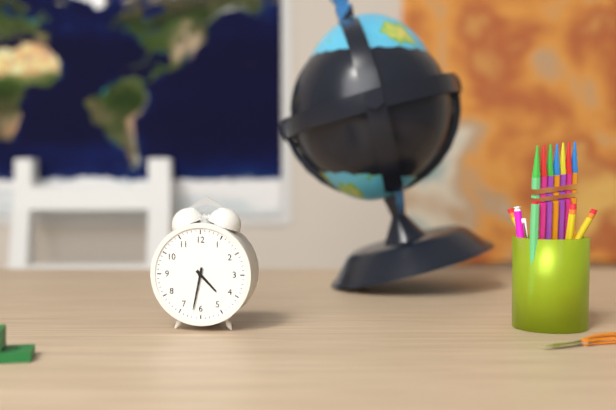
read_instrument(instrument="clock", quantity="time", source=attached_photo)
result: 4:32
